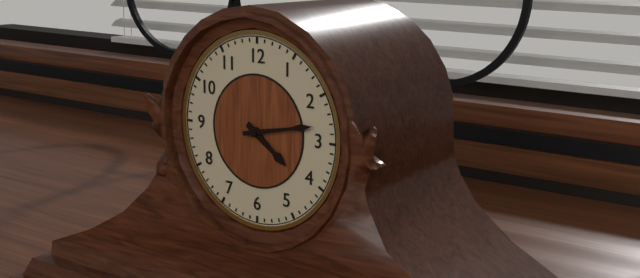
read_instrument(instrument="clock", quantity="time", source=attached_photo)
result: 4:13
